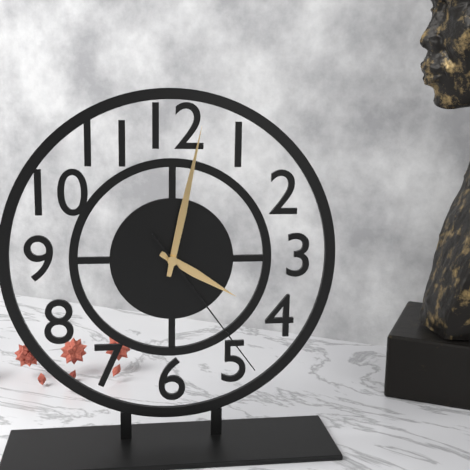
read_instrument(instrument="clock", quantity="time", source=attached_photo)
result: 4:02:24
